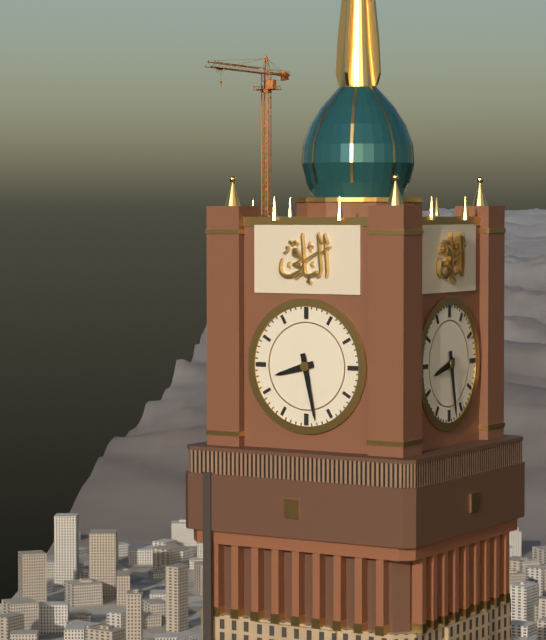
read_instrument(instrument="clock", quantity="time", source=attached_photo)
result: 8:28
